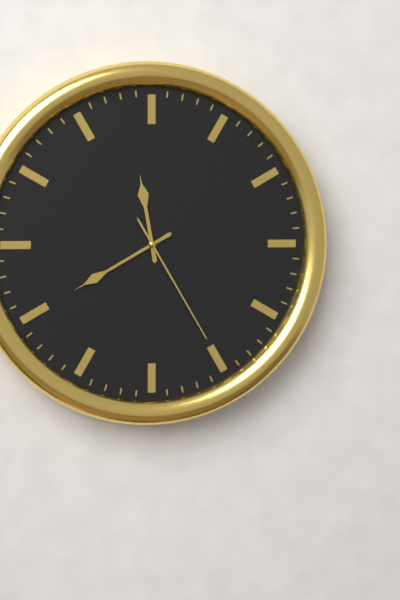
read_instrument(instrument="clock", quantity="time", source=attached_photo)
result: 11:40:25
